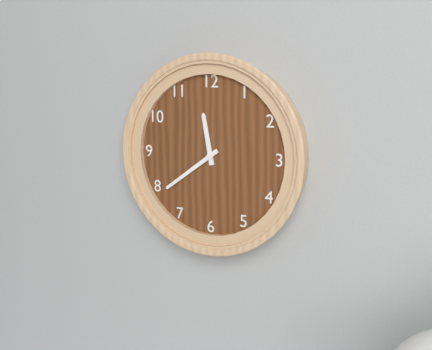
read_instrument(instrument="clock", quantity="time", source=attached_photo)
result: 11:39
